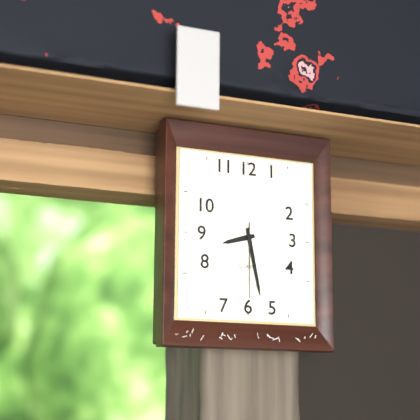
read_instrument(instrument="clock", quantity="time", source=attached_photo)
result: 8:28:30
